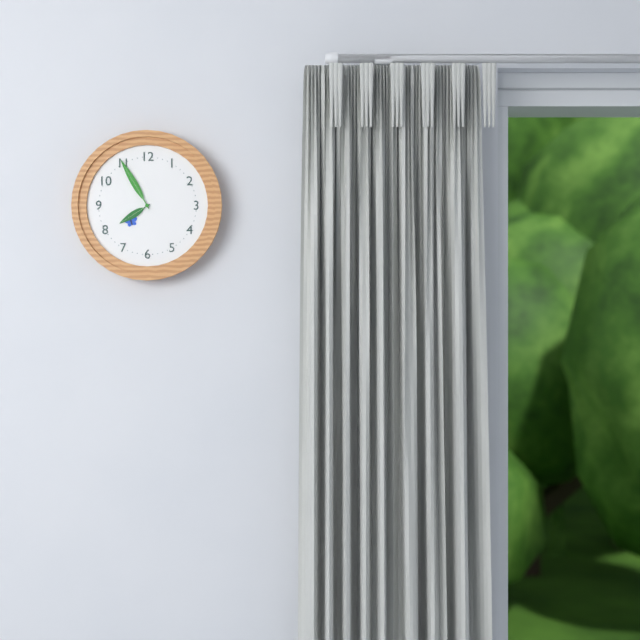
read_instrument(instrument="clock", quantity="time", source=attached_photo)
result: 7:55
